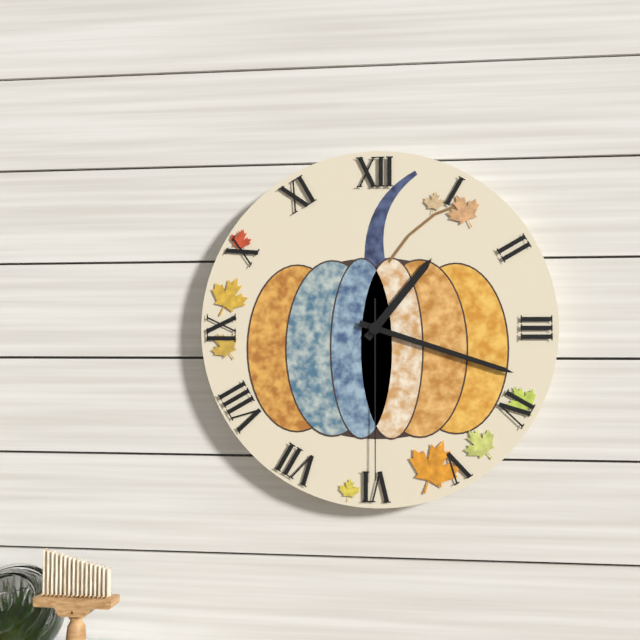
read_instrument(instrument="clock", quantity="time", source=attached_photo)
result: 1:18:30
